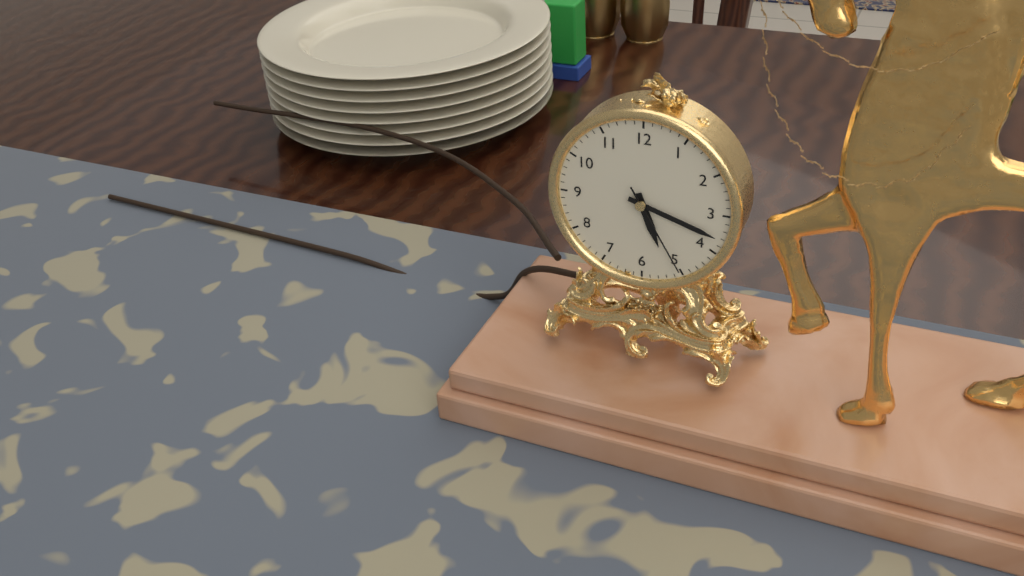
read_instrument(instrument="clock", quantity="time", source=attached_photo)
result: 5:18:25
